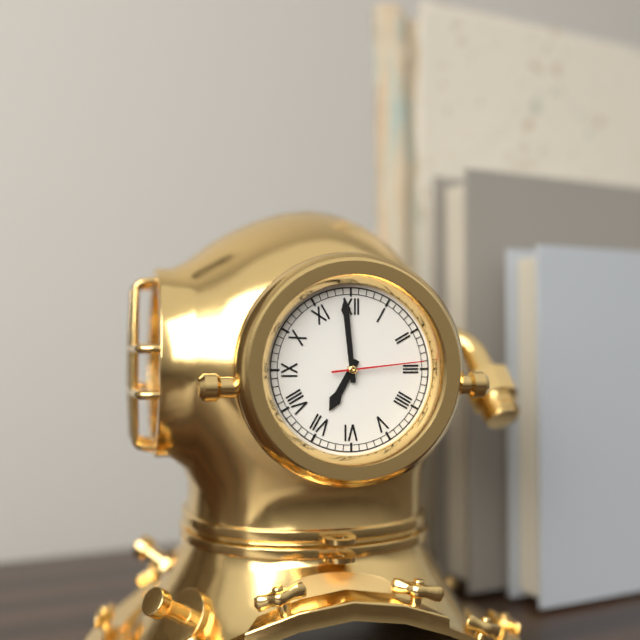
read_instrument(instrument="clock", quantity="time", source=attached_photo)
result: 6:59:14
